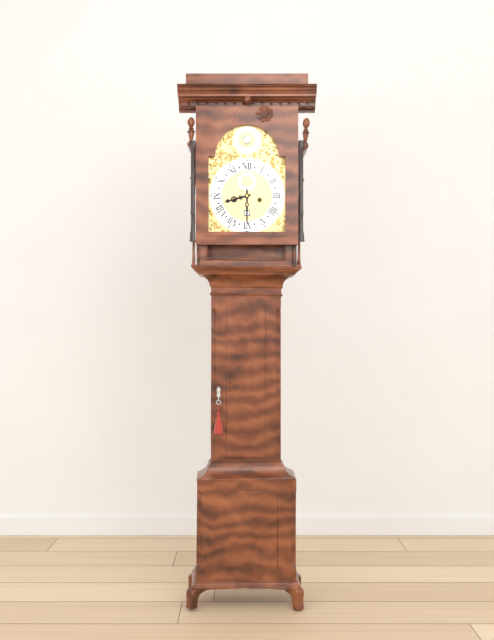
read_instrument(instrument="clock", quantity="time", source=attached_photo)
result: 8:30
